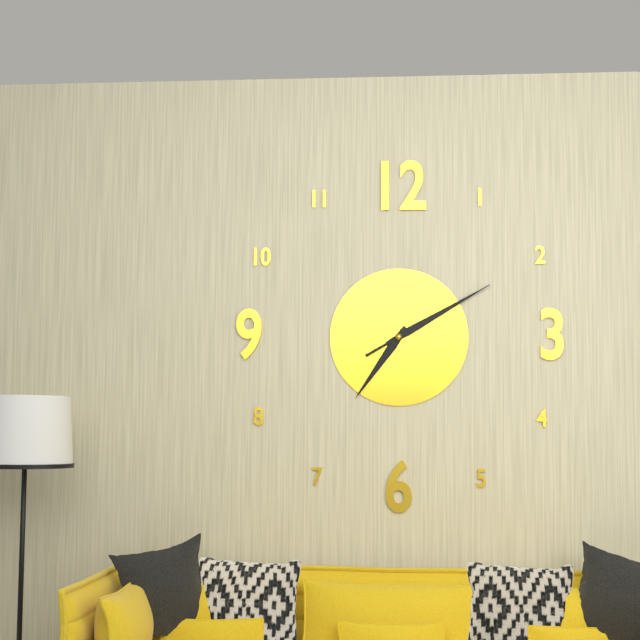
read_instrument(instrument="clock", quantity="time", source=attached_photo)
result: 7:10:10
